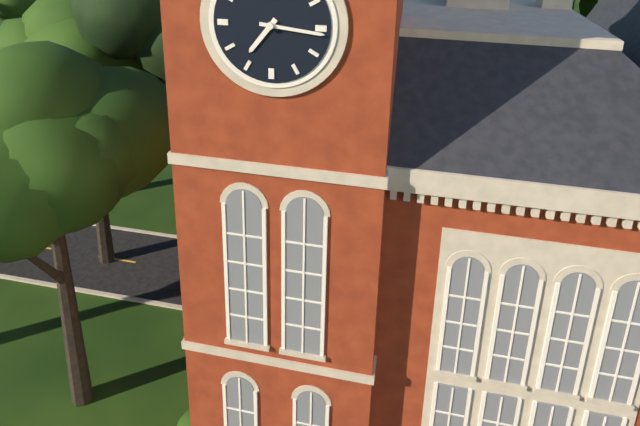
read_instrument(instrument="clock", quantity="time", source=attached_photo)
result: 7:16
